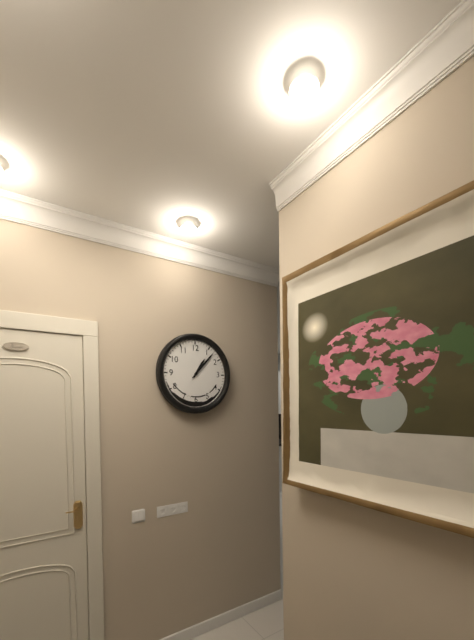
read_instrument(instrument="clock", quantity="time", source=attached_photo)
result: 1:07
